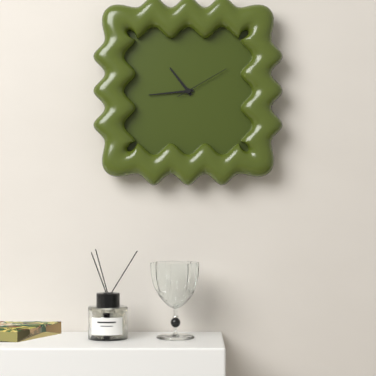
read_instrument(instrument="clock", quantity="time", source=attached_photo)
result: 10:44:10
